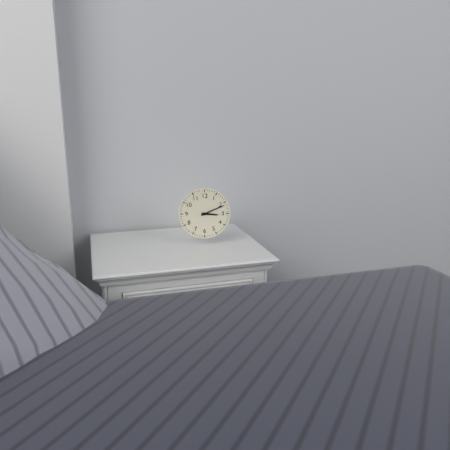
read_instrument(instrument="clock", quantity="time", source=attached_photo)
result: 3:11
